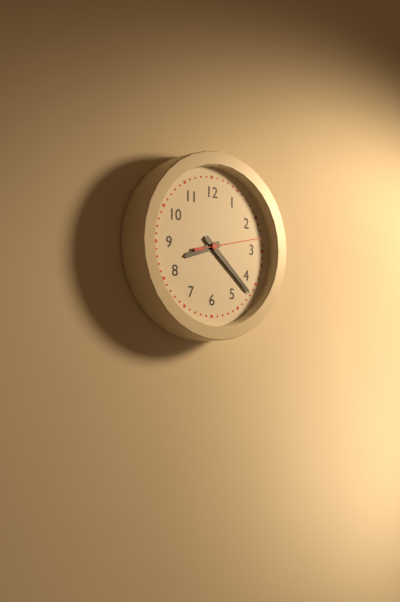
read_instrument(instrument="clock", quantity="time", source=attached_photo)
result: 8:22:13
